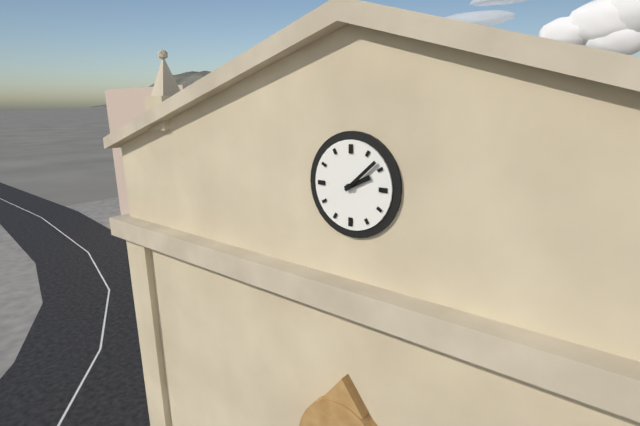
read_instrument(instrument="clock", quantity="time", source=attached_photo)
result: 2:08
